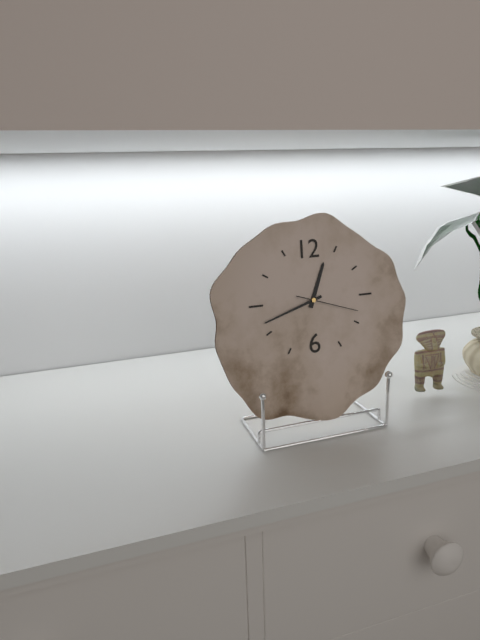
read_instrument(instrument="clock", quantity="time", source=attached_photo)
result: 12:42:18
